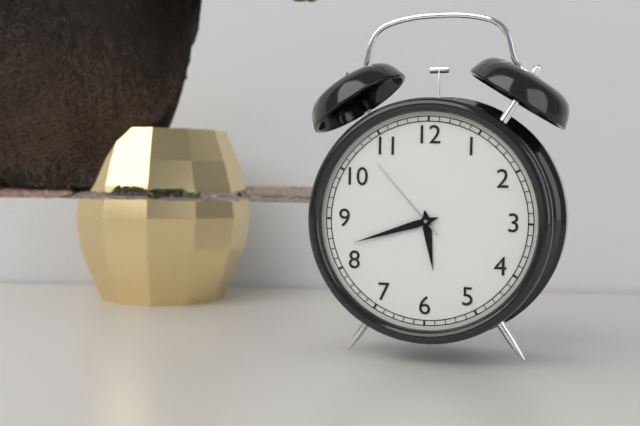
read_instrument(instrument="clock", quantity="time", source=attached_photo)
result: 5:42:53
